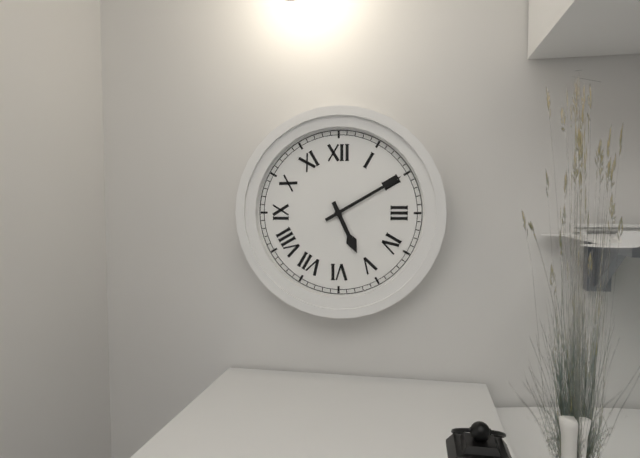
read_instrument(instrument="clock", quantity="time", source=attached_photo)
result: 5:10
